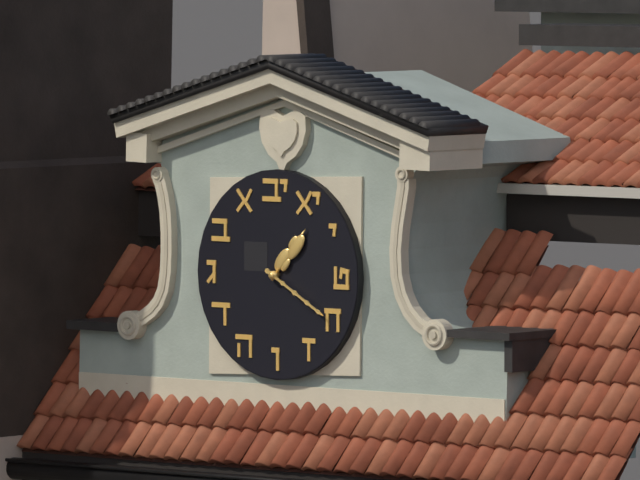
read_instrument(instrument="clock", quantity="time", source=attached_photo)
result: 1:20
